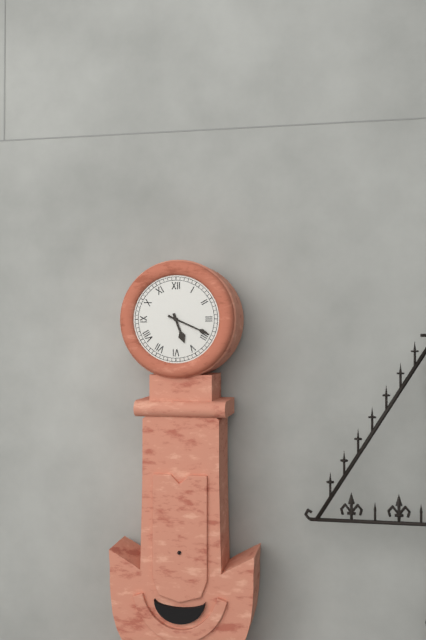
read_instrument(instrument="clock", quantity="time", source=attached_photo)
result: 5:19
